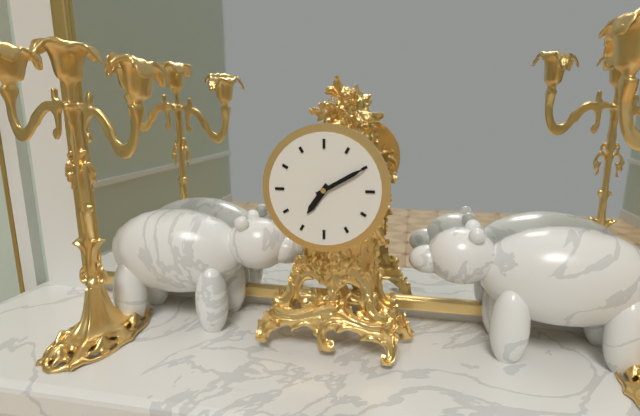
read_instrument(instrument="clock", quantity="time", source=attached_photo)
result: 7:10
